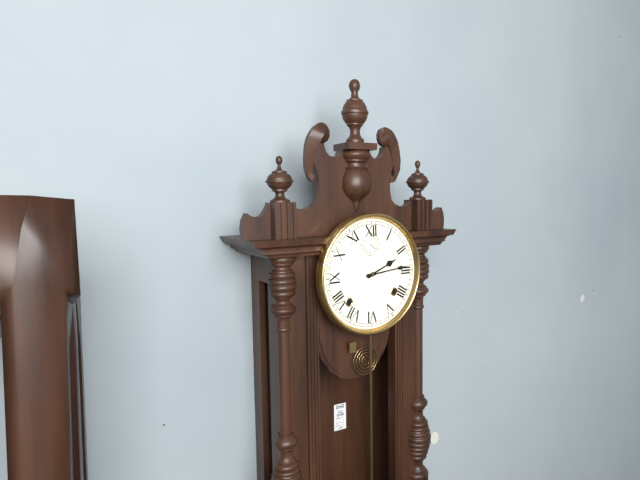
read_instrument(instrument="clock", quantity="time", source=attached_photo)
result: 2:14
